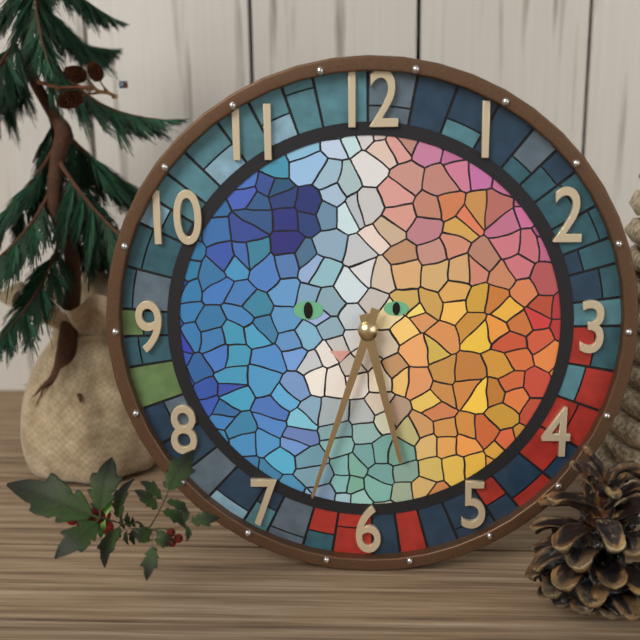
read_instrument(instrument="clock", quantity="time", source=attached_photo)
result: 5:33
